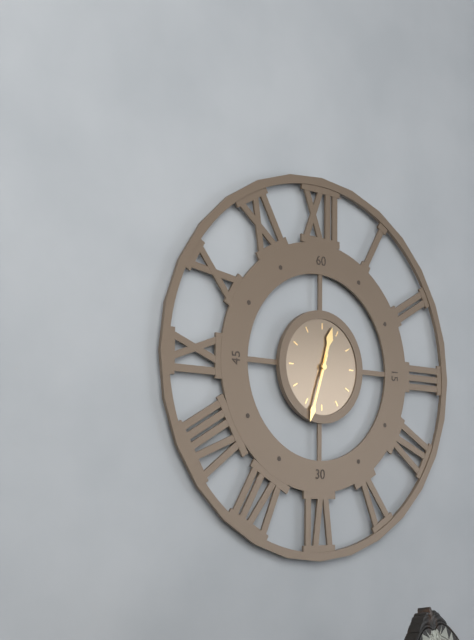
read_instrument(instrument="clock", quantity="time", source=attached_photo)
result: 12:33
